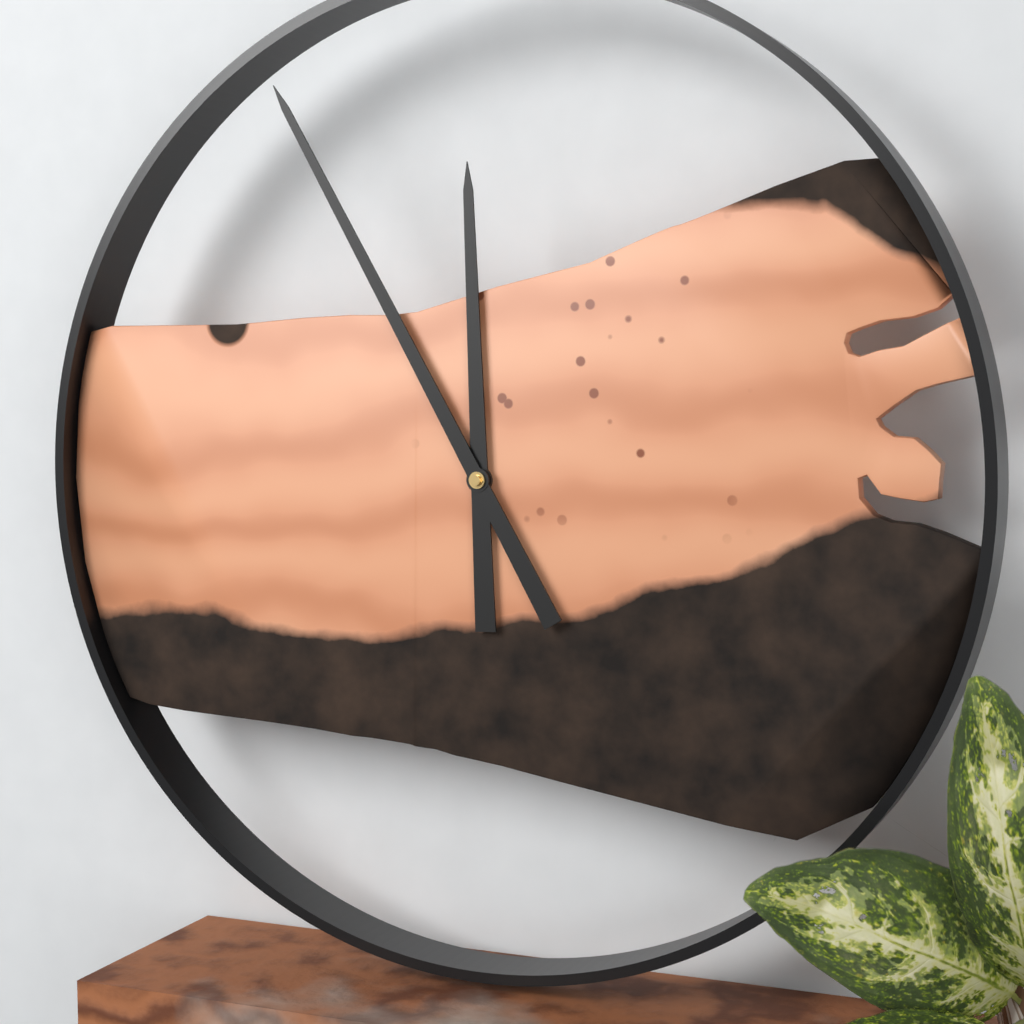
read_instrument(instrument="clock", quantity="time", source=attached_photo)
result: 11:55
